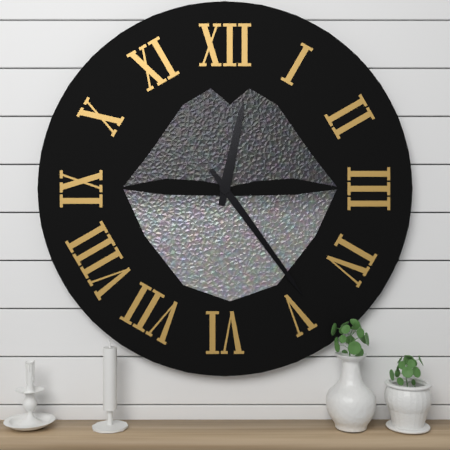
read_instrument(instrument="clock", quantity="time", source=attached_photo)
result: 12:24
